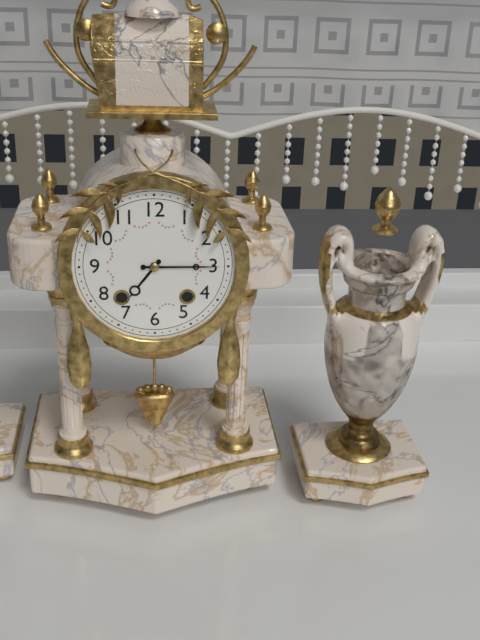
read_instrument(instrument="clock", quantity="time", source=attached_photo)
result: 7:15
